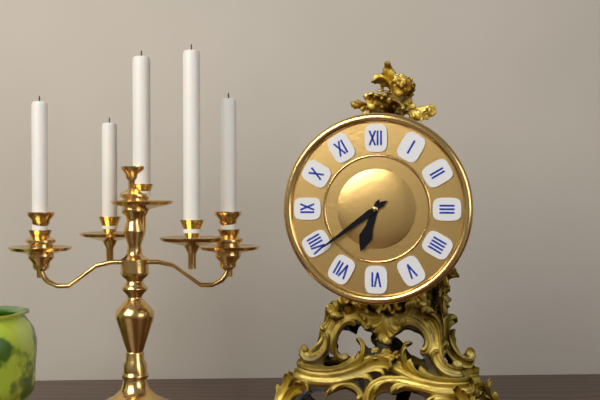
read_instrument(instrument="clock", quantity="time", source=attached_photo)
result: 6:39
